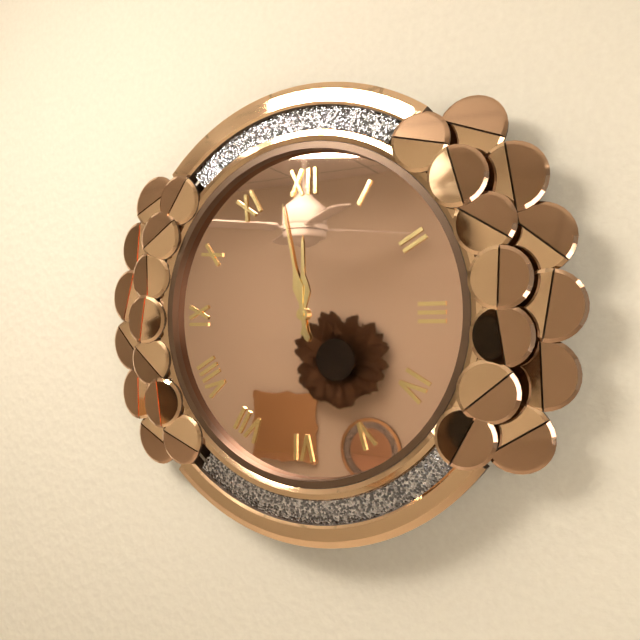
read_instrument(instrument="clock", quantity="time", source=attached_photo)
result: 11:58
